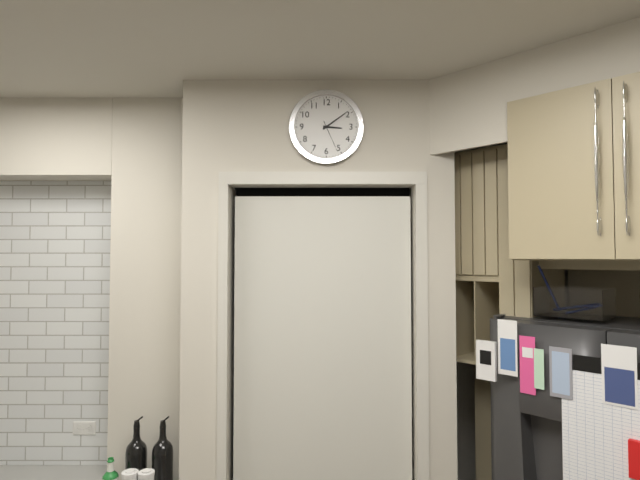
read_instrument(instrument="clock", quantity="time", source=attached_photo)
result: 3:09
